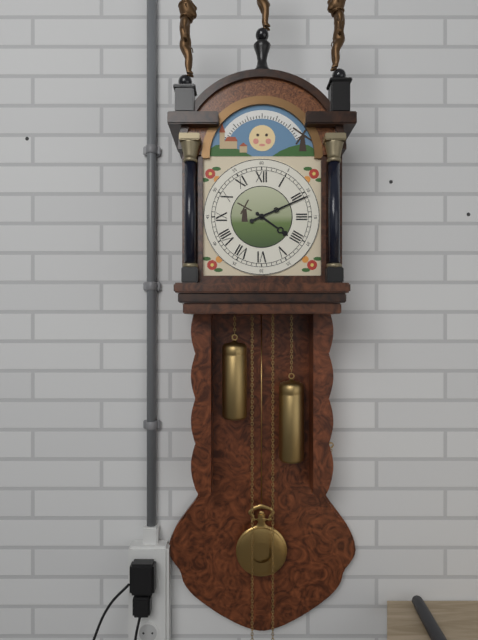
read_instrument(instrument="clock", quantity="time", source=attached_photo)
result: 4:11
